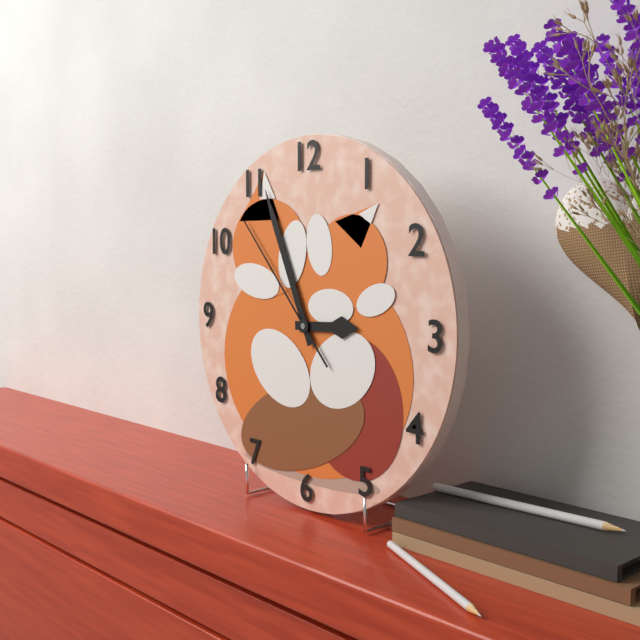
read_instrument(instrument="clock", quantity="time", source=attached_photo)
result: 2:56:53
